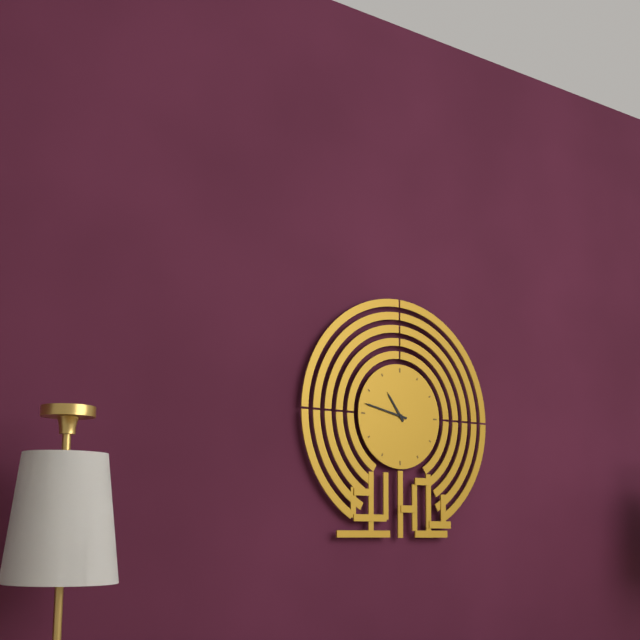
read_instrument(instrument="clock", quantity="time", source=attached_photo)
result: 10:47
